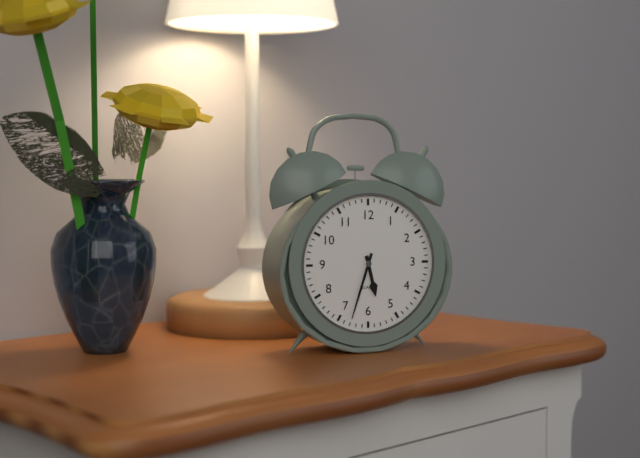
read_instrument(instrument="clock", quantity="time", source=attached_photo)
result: 5:33
